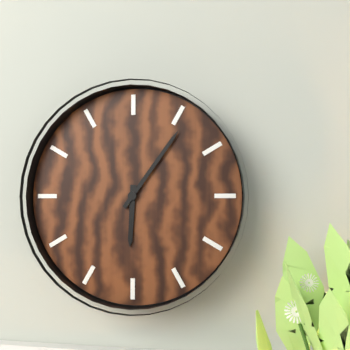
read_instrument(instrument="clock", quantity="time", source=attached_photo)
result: 6:06
